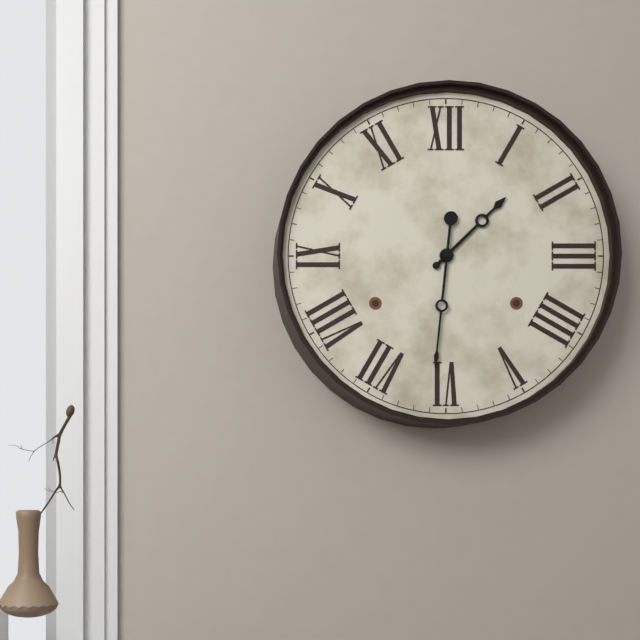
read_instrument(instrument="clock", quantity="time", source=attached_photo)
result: 1:31
